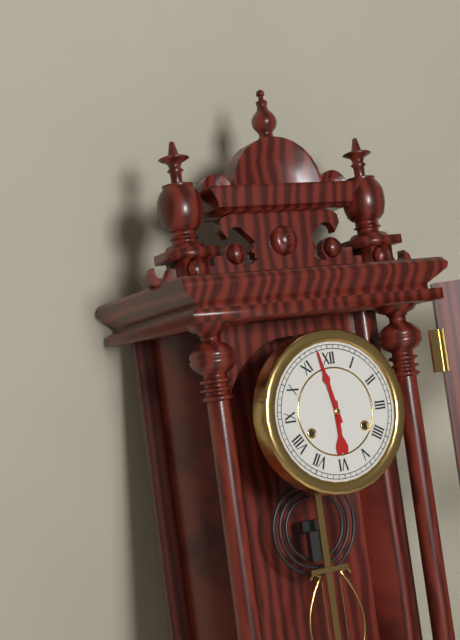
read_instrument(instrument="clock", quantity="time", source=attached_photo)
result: 5:58
